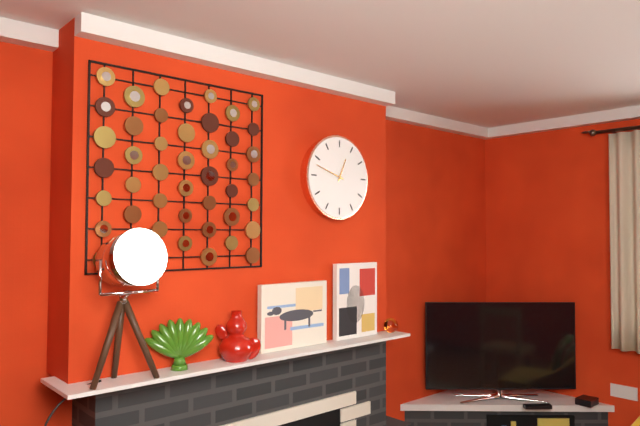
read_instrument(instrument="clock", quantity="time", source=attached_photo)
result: 12:48
